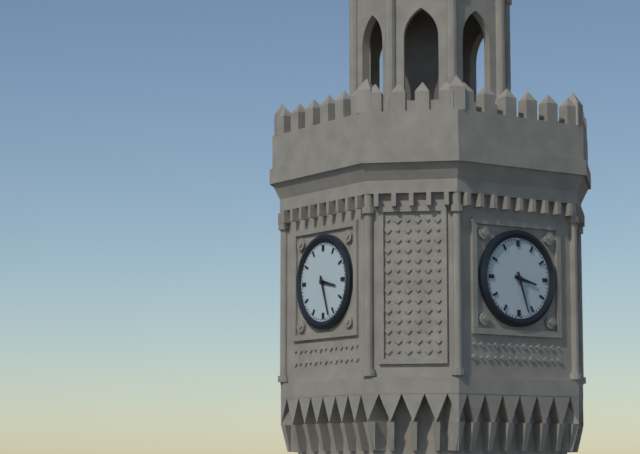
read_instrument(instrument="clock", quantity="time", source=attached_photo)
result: 3:27
